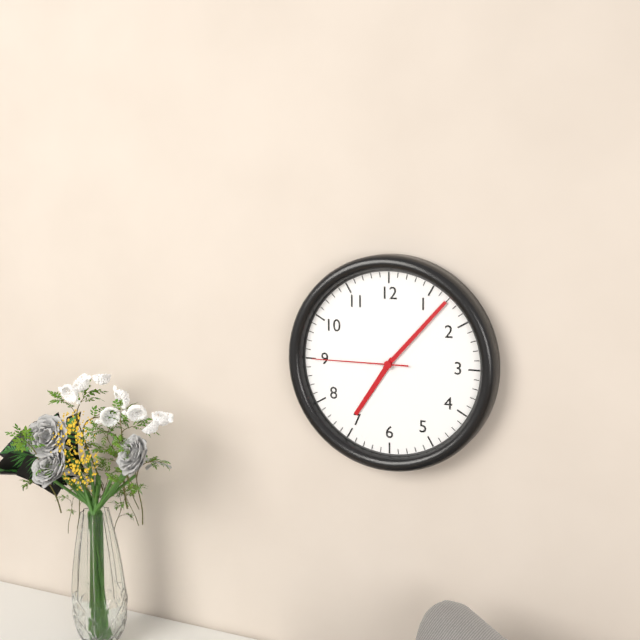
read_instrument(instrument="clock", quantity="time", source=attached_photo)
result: 7:07:45
